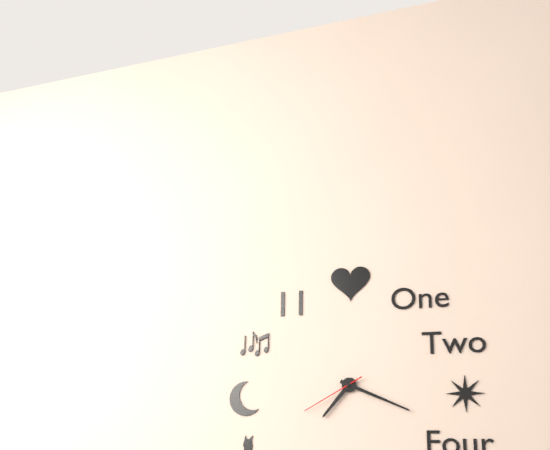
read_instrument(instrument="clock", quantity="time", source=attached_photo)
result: 7:19:40
